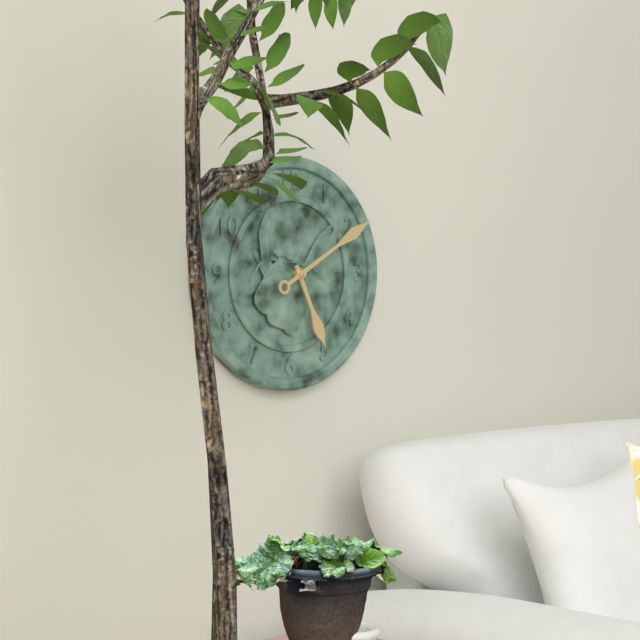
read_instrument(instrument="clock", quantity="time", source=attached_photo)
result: 5:10
